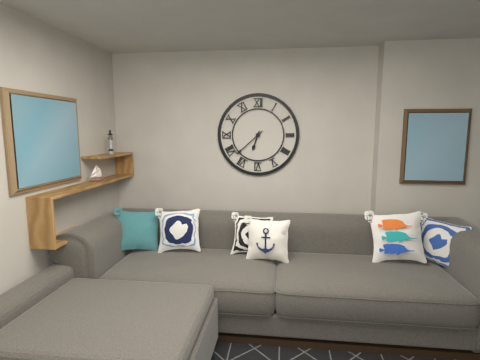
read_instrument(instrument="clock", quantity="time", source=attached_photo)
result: 6:38
